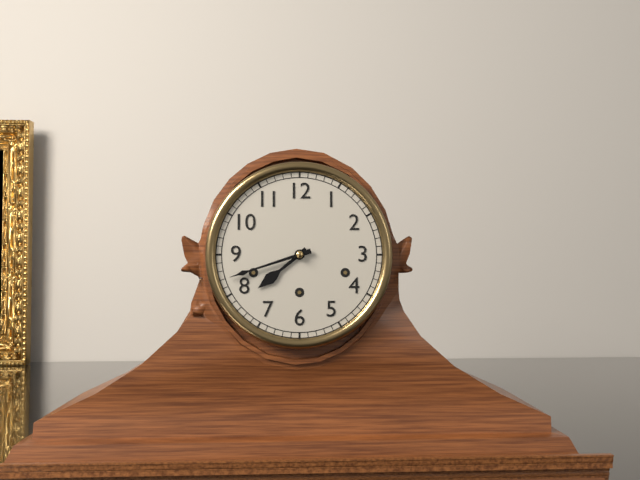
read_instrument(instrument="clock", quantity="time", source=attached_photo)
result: 7:42
